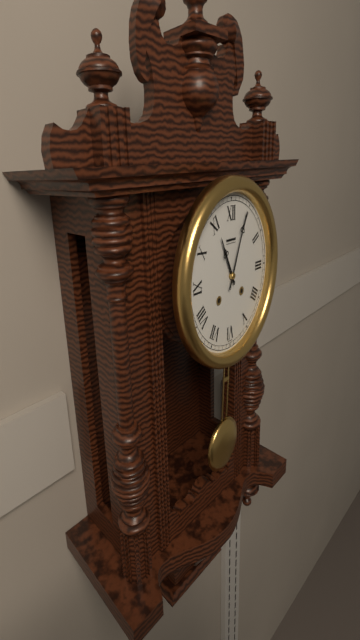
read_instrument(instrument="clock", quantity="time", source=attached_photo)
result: 11:04
